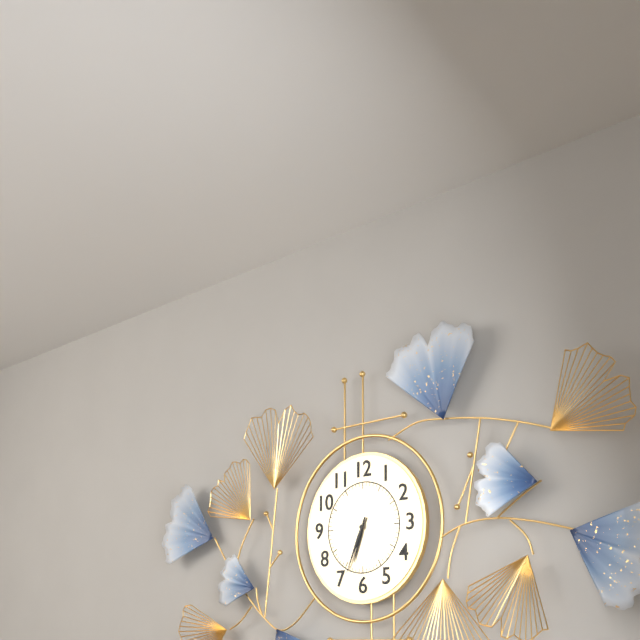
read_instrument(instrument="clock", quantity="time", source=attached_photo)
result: 6:34
